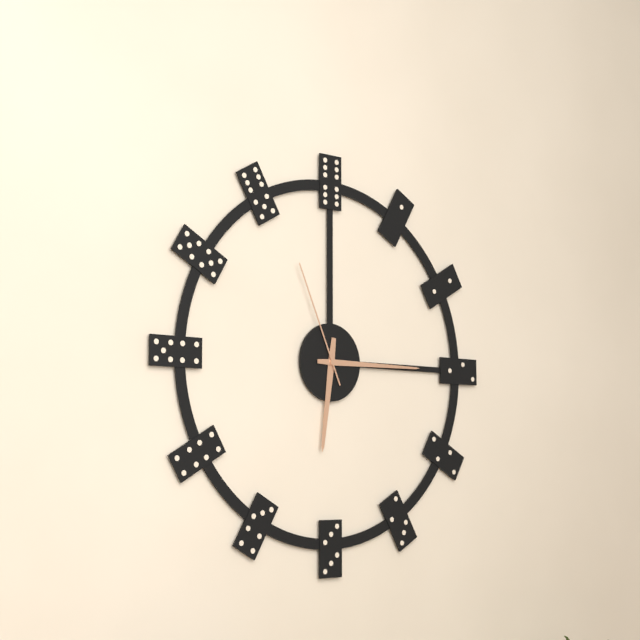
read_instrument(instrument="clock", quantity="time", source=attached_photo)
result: 6:15:56
